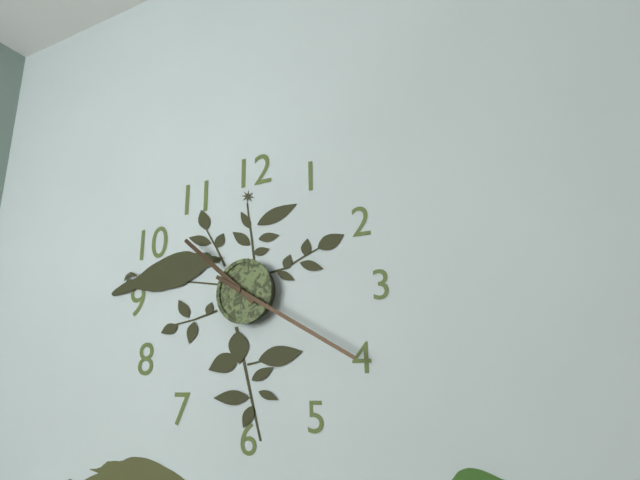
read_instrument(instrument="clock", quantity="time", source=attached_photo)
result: 10:20
